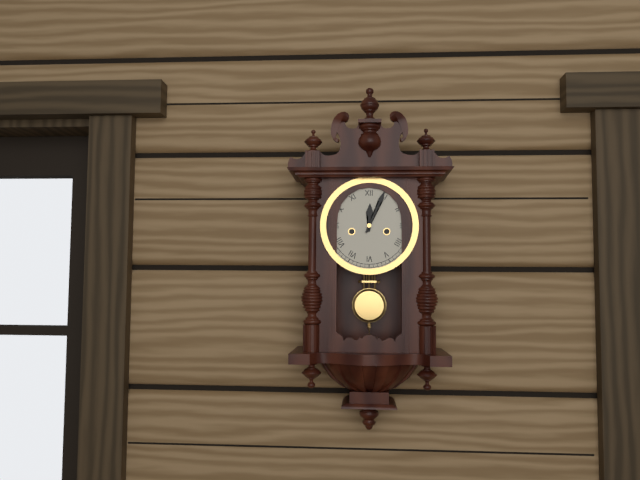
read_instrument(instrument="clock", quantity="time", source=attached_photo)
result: 12:04
